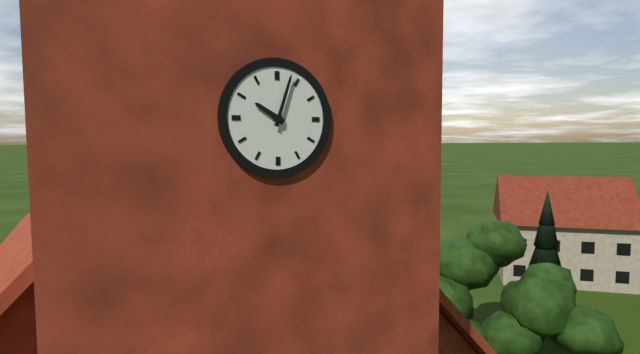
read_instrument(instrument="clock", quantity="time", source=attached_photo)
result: 10:03
